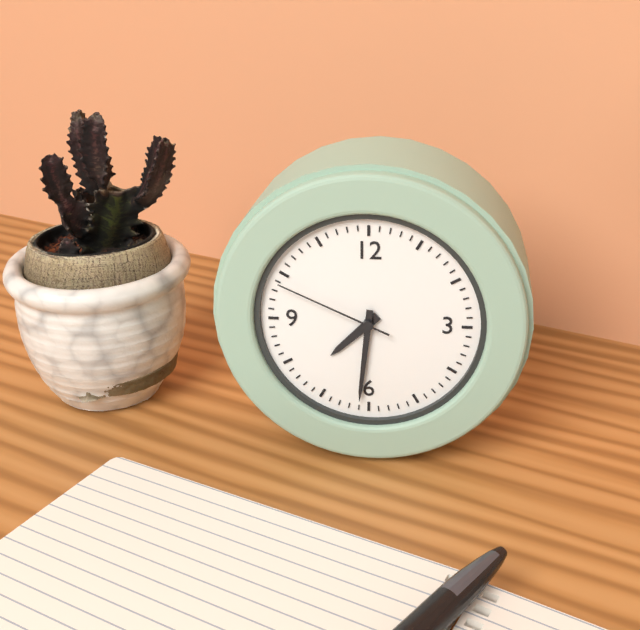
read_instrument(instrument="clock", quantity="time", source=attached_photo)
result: 7:31:49
